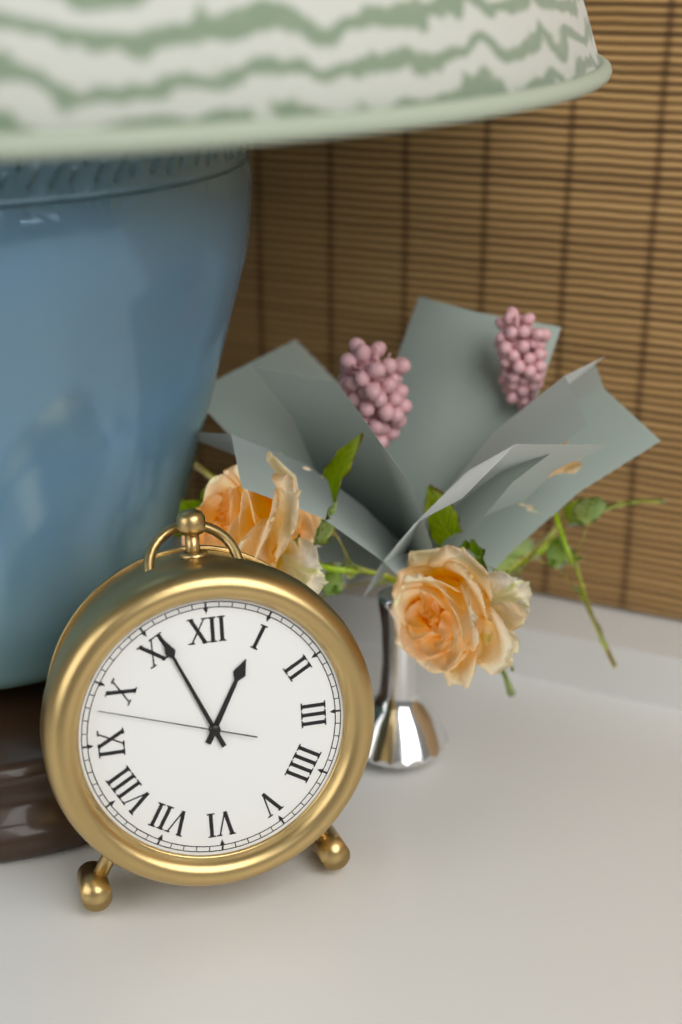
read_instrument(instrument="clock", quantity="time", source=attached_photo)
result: 12:56:48
